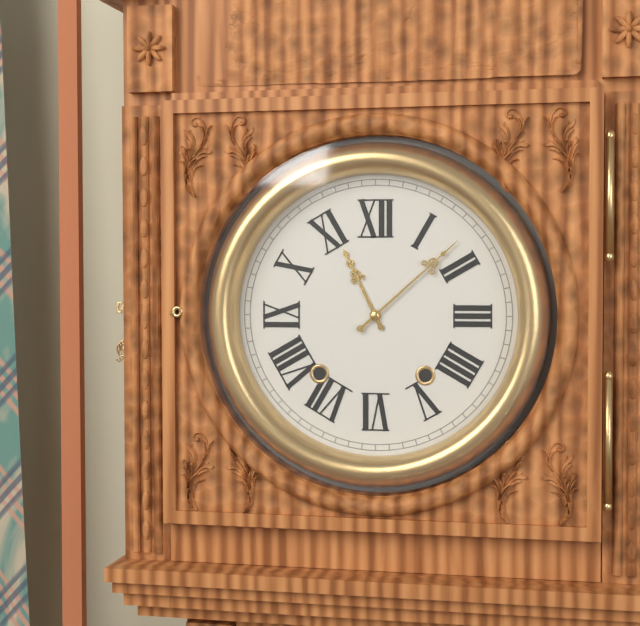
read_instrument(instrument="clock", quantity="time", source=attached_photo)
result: 11:08
